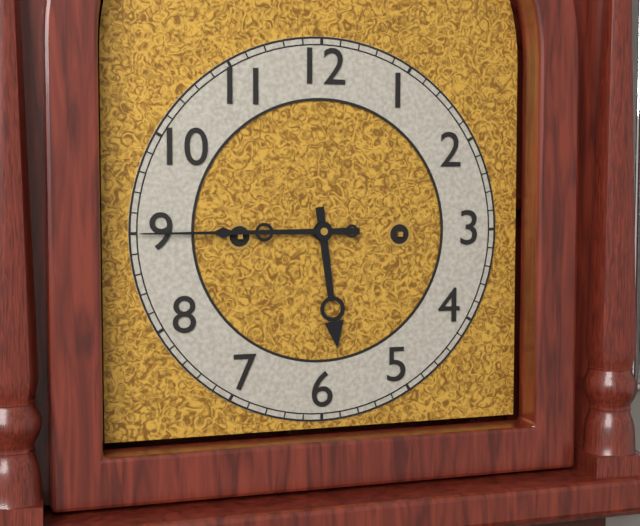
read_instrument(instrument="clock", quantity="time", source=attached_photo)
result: 5:45
